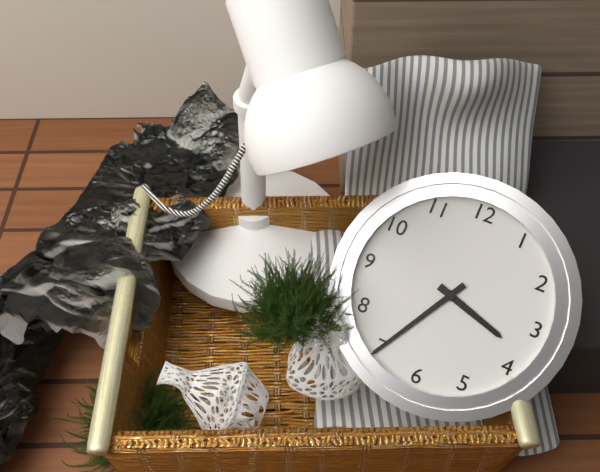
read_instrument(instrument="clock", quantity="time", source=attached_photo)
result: 3:35
